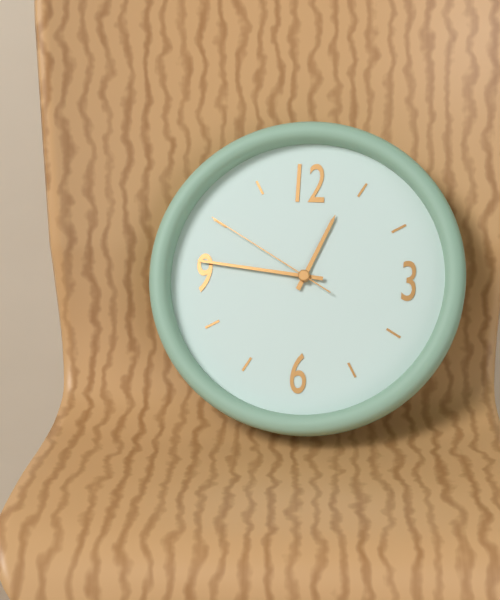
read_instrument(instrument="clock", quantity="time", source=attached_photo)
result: 12:46:50
